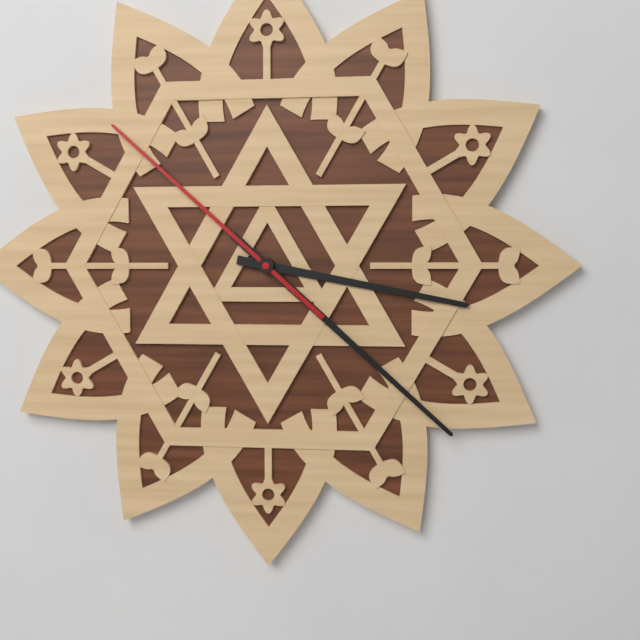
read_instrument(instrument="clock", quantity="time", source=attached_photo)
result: 3:22:52
